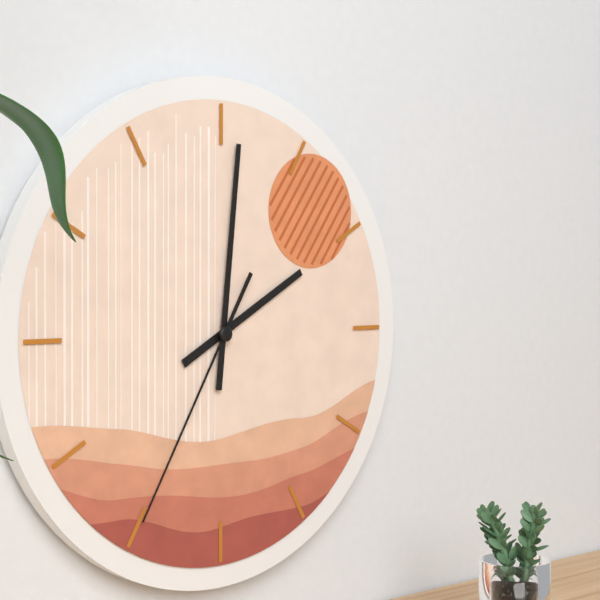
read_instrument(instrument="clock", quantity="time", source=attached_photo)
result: 2:01:35
